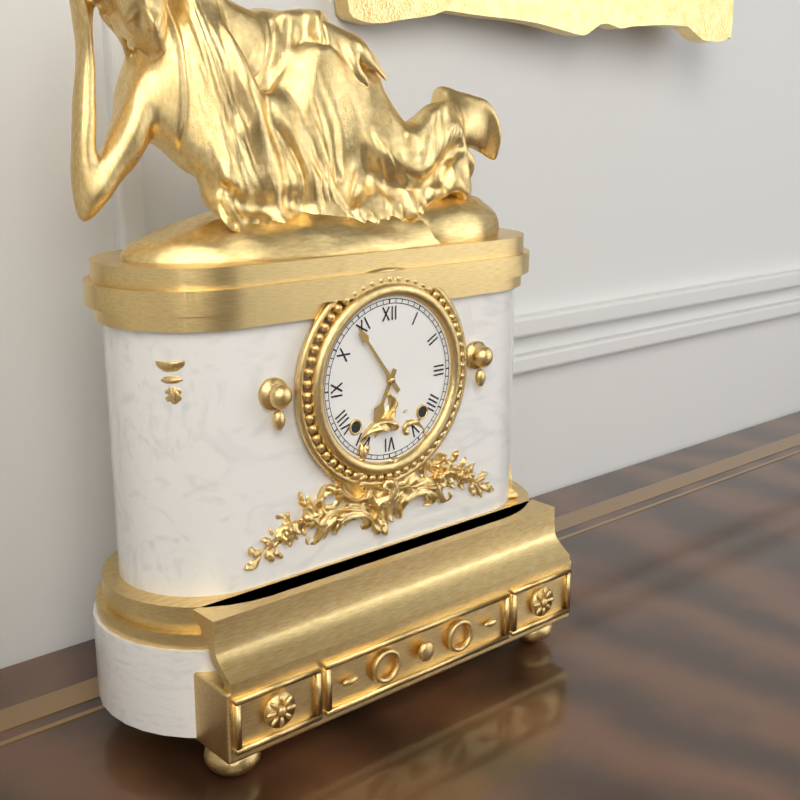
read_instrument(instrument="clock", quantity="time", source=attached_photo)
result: 6:54
